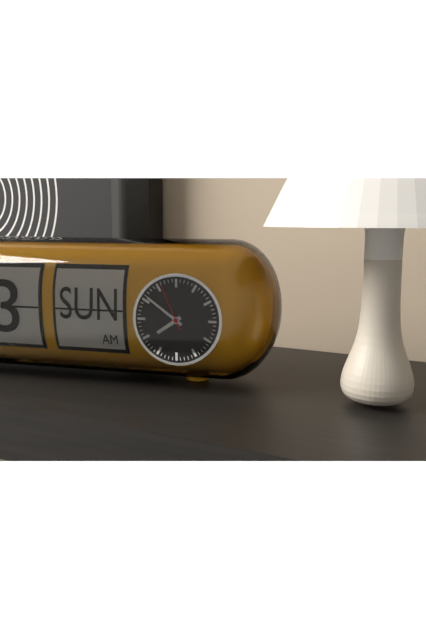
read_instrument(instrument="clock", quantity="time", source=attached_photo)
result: 7:51:56
